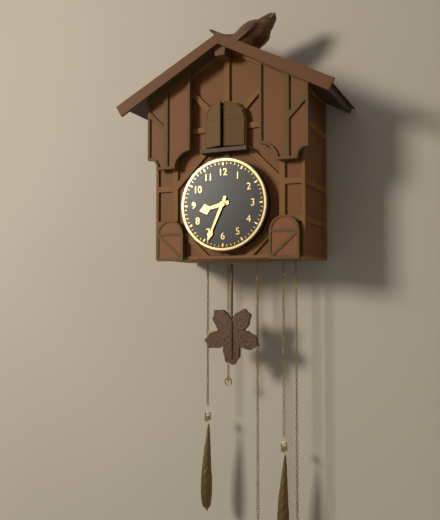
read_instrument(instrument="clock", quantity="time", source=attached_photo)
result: 8:34
